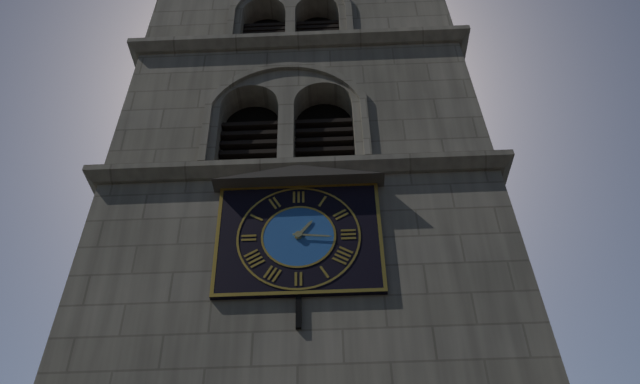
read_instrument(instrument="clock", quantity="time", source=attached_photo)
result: 1:16
